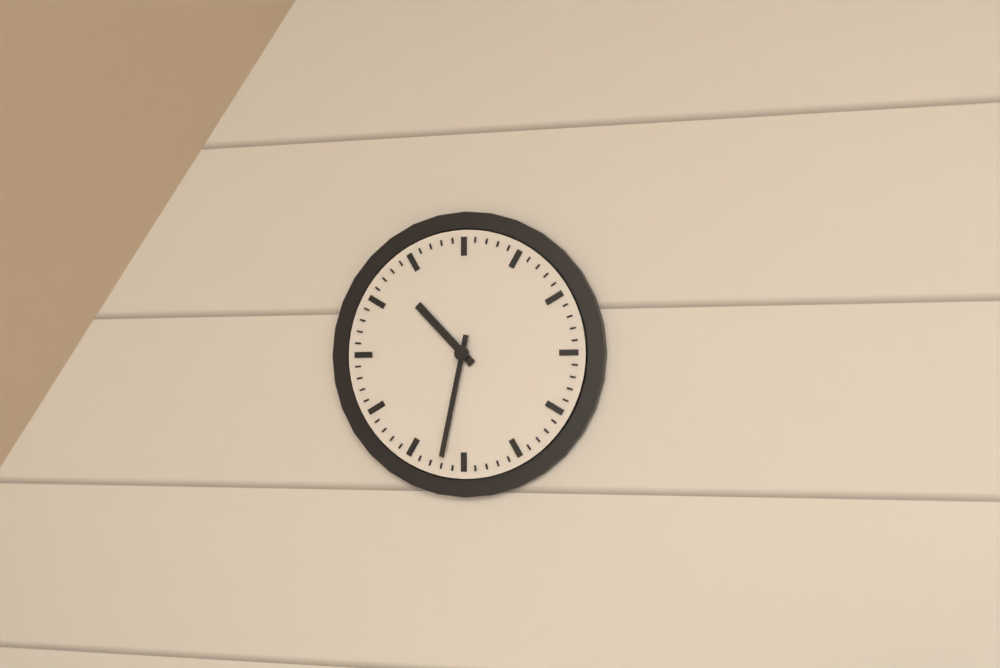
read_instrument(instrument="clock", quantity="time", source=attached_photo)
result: 10:32
